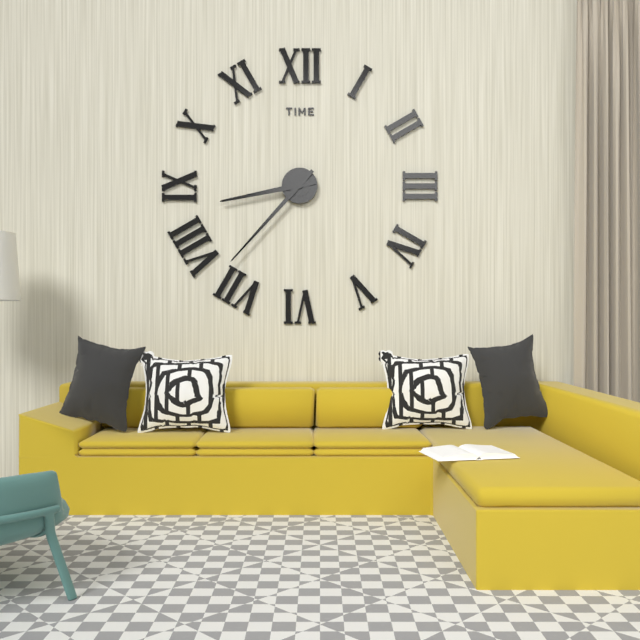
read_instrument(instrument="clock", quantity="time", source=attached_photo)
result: 8:37
